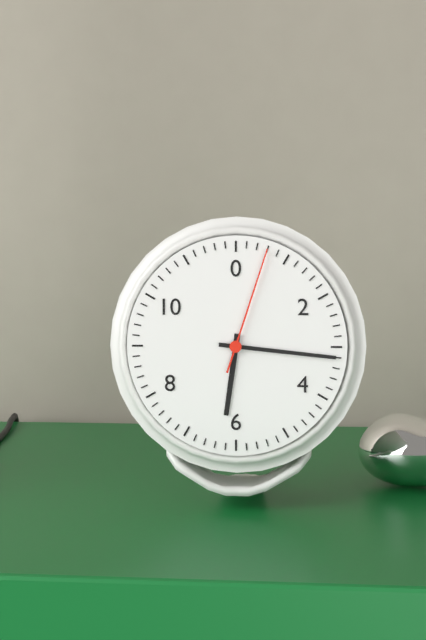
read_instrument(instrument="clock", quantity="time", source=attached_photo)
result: 6:16:03
